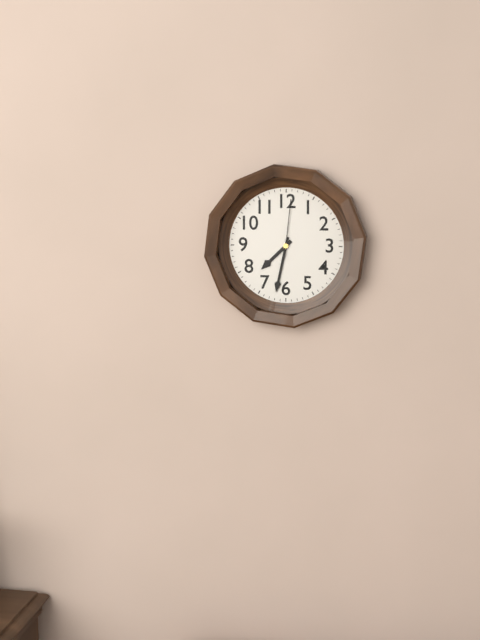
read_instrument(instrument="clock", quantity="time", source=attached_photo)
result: 7:32:01
